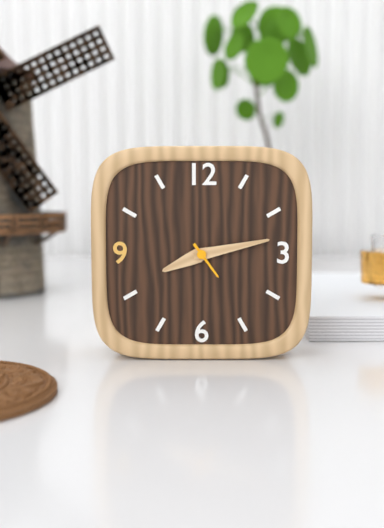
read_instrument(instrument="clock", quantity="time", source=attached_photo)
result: 8:13
